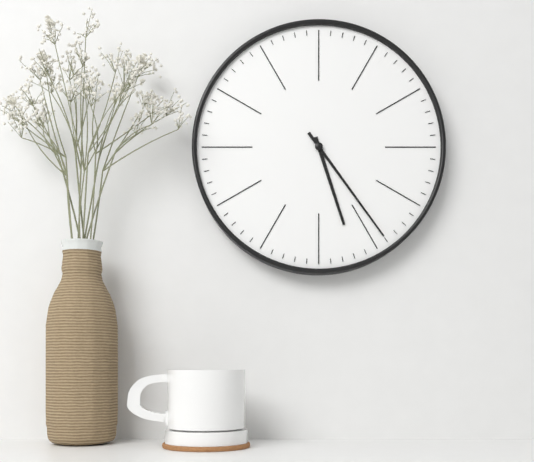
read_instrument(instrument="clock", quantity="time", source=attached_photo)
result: 5:24
